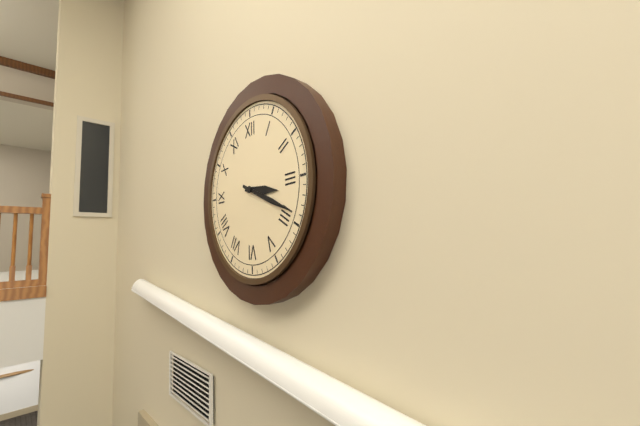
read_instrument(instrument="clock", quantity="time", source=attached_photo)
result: 3:19
